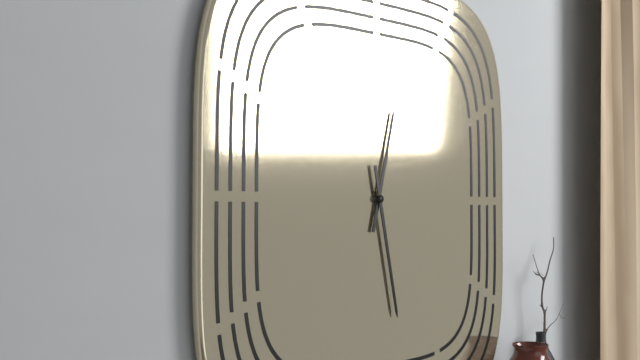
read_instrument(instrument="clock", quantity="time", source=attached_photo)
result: 12:28
